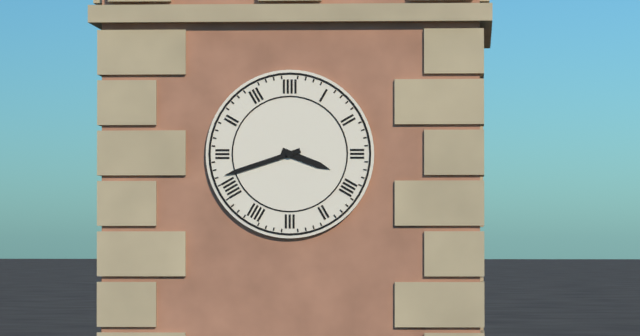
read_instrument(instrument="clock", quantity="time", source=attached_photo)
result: 3:42
